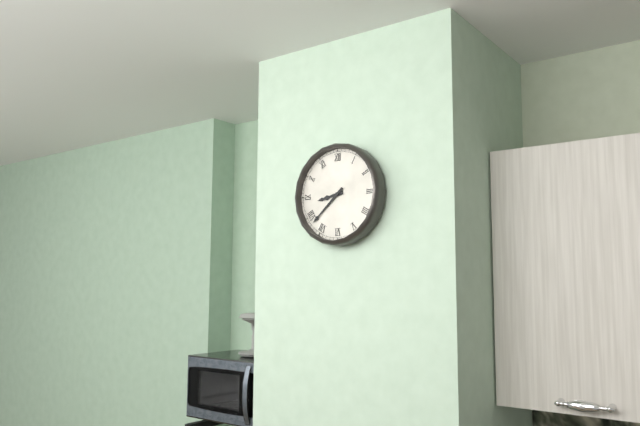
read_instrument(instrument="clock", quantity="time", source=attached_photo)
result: 8:38
